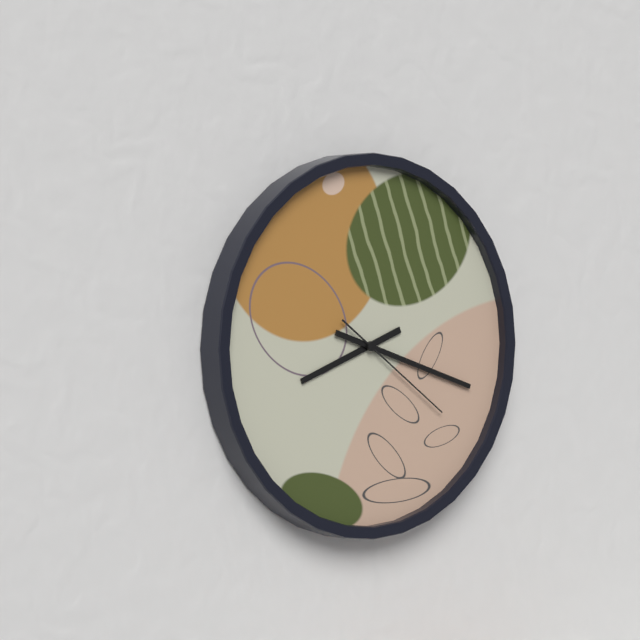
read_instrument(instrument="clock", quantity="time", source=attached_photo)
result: 8:18:21
